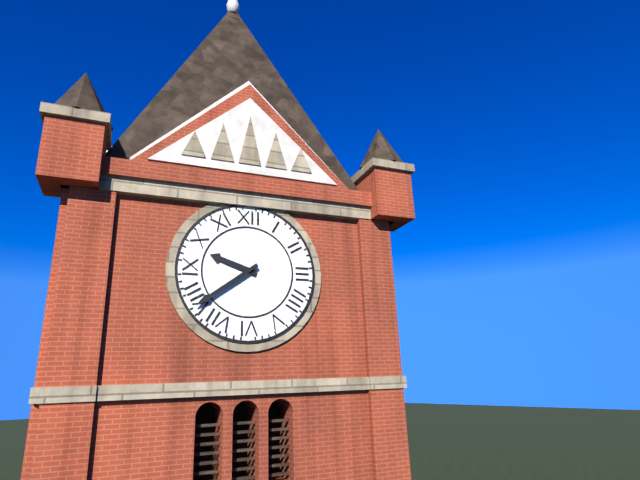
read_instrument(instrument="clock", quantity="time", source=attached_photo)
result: 9:39
